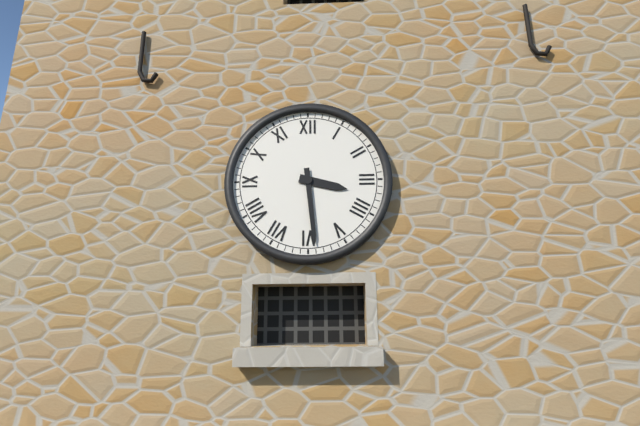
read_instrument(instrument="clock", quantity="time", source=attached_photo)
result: 3:29
